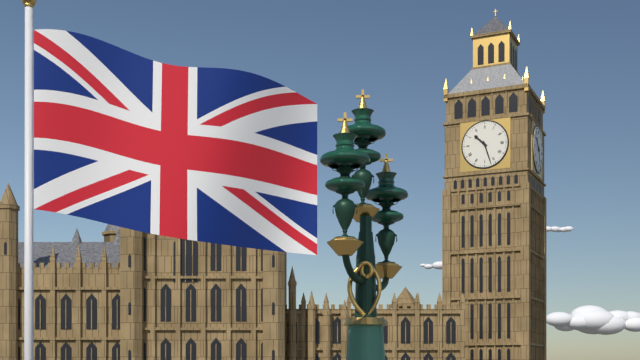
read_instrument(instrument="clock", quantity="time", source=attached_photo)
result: 10:27
